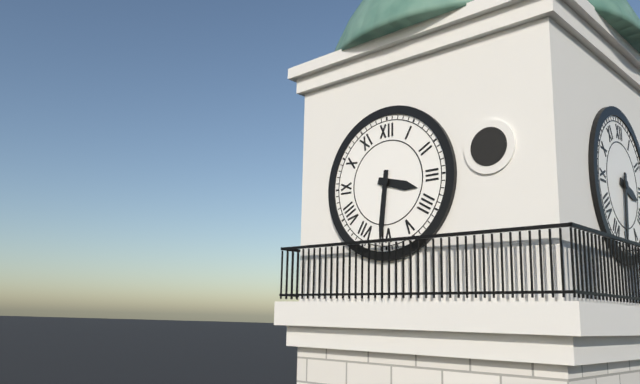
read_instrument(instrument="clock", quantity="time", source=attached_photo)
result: 3:31
